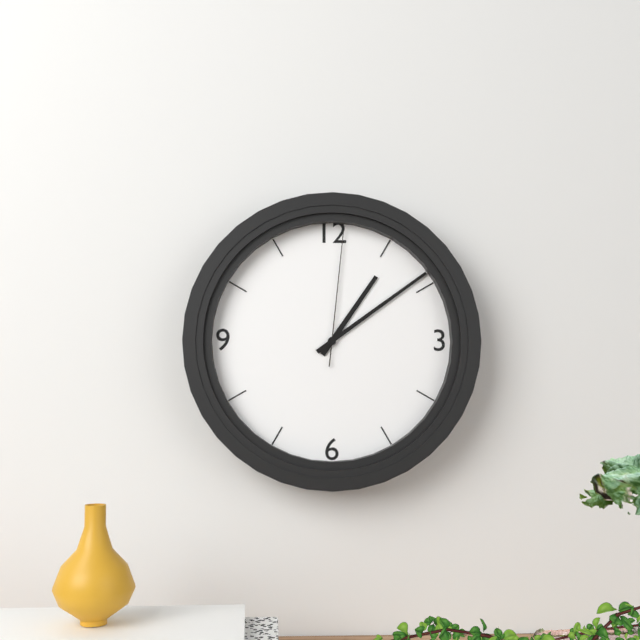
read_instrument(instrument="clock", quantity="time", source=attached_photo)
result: 1:09:01
